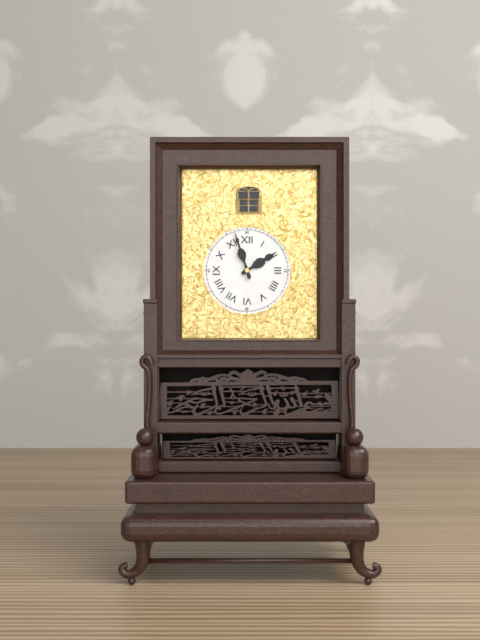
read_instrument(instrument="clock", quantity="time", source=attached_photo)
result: 1:57
